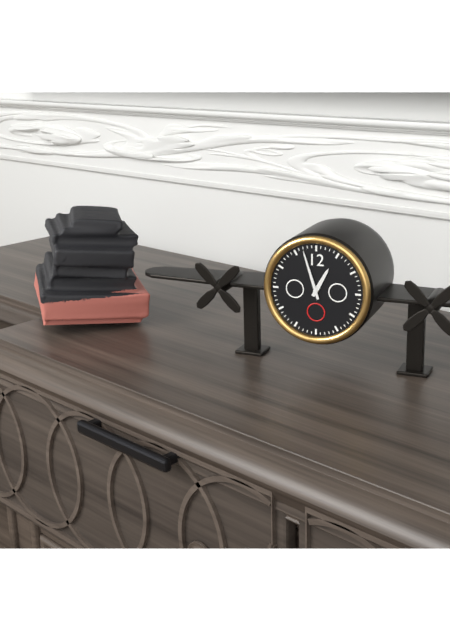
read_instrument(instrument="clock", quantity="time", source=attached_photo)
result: 12:57
